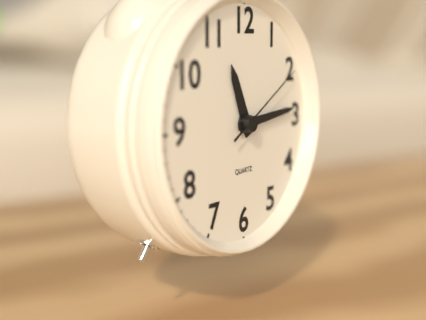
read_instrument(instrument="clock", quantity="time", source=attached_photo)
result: 11:14:10
